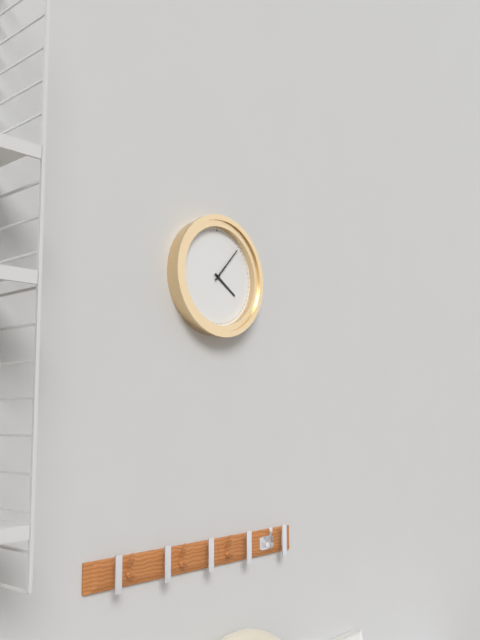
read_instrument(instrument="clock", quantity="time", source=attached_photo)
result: 4:07
